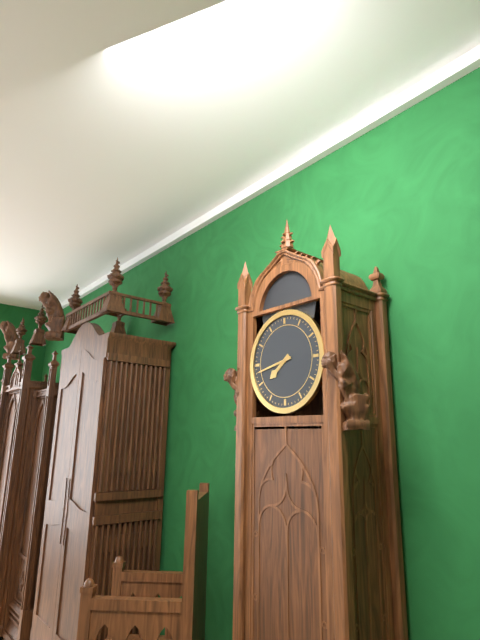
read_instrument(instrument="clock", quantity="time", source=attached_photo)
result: 7:43
